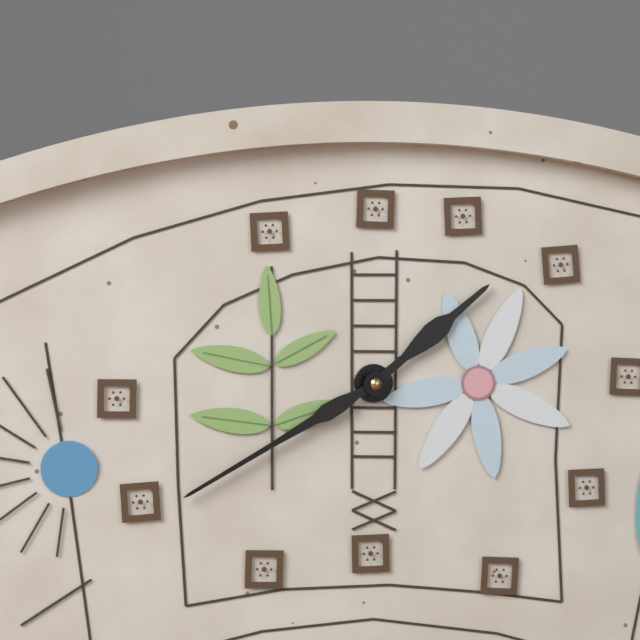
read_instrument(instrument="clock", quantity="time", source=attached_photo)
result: 1:40
